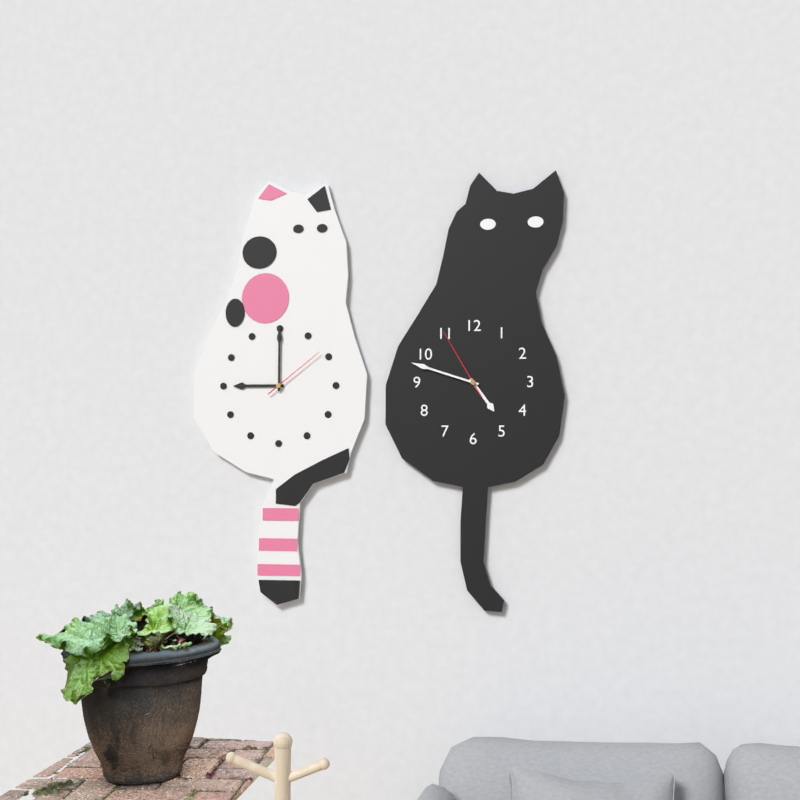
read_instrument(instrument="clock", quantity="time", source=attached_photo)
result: 4:48:55
